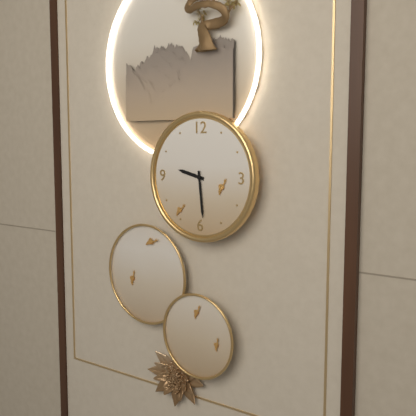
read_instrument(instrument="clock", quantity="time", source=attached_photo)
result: 9:29
